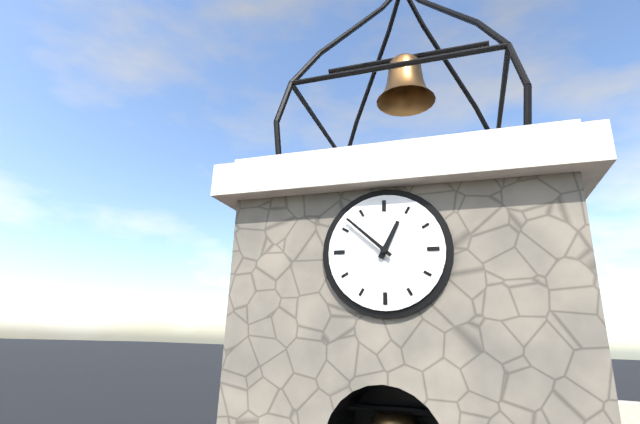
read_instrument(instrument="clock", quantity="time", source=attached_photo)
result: 12:52
